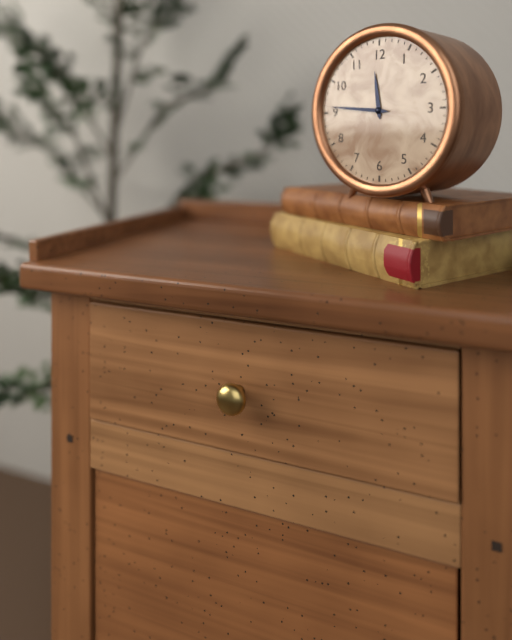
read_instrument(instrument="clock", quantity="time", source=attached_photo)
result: 11:46
